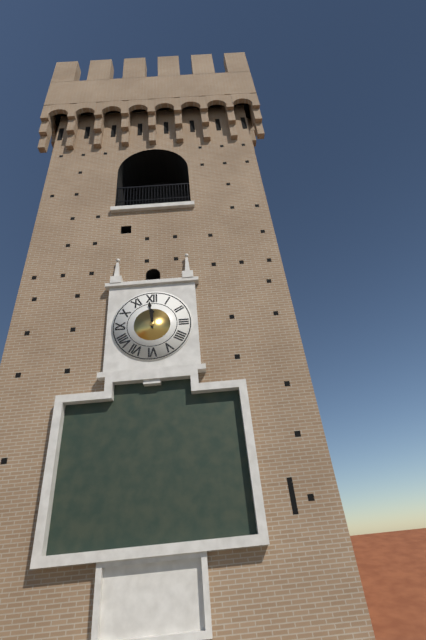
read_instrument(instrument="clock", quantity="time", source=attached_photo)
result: 11:59
